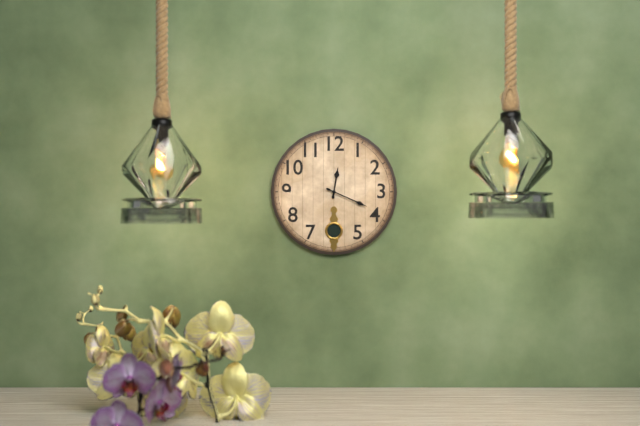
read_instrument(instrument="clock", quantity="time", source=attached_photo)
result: 12:19
